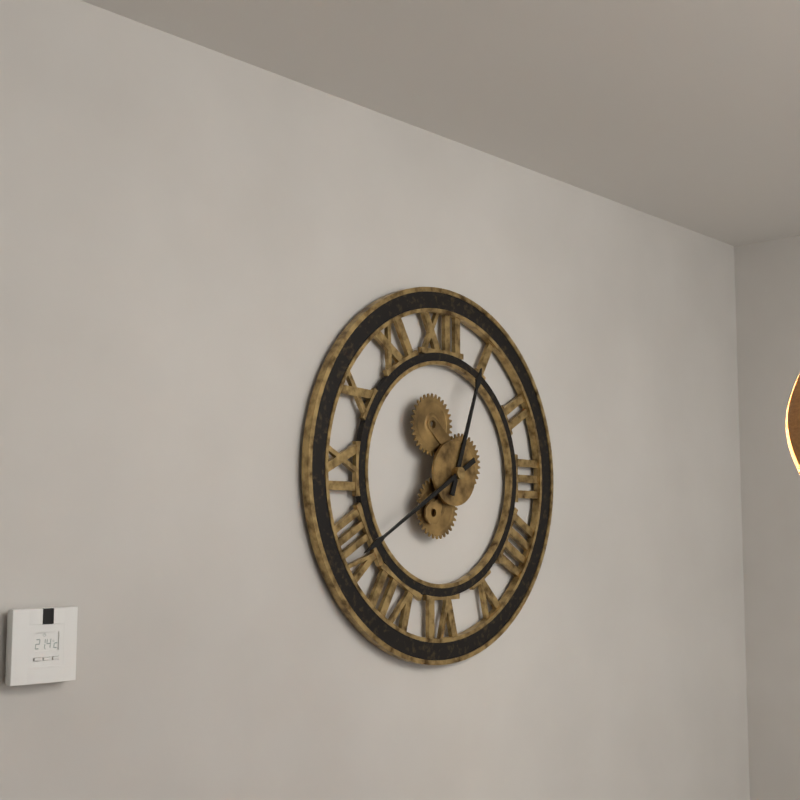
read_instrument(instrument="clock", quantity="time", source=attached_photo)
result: 12:40
